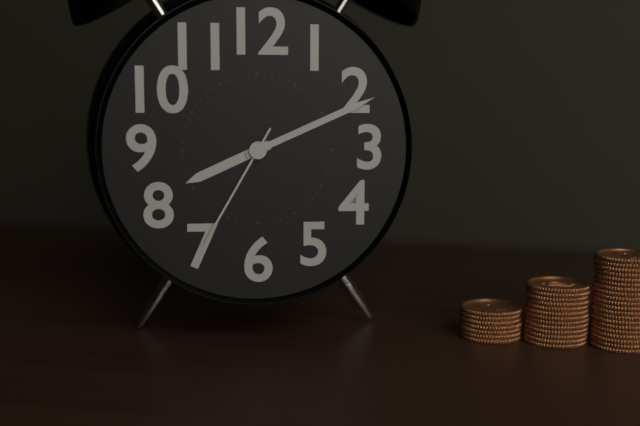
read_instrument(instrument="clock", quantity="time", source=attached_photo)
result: 8:11:35
